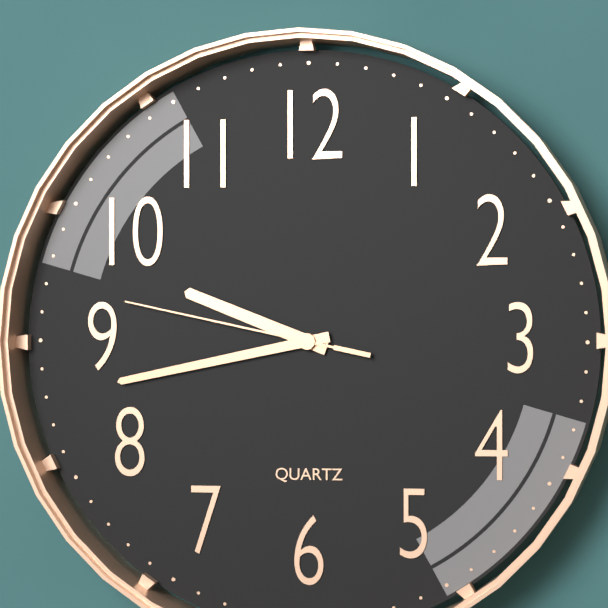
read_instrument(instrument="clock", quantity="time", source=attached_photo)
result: 9:43:47
